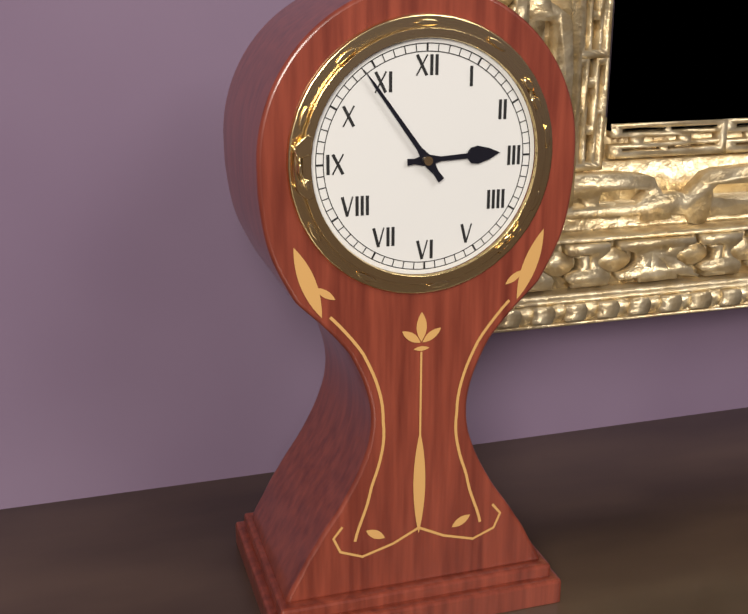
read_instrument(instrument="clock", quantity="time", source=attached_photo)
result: 2:54
